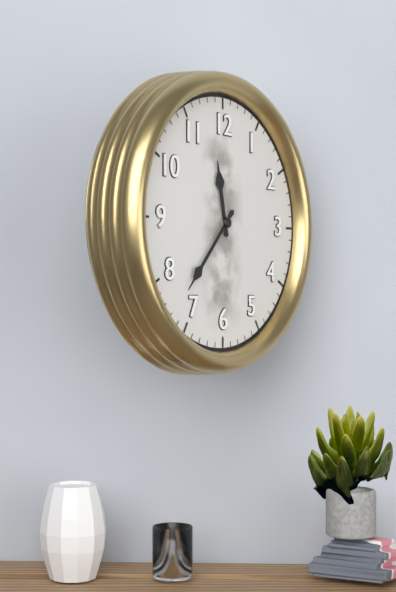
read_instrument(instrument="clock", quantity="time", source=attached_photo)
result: 11:37
